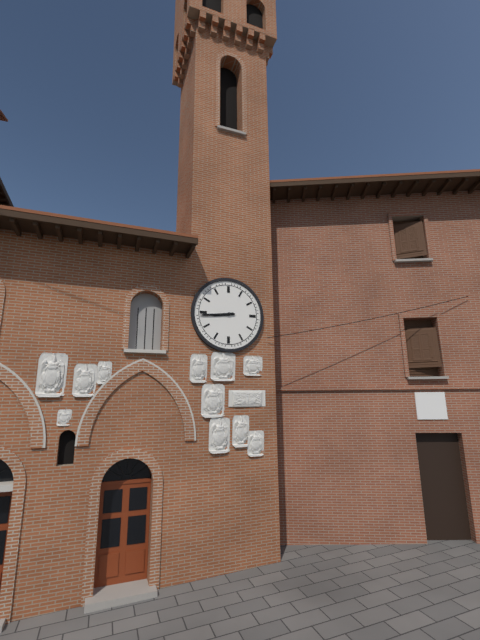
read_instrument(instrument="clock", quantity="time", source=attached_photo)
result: 8:44
